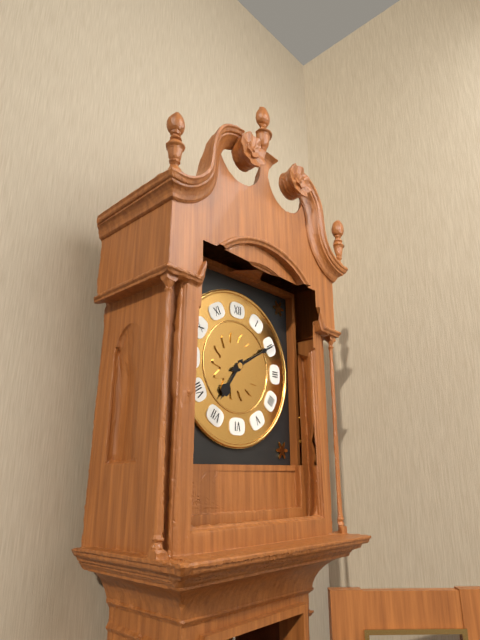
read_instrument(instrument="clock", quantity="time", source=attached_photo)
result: 7:10
